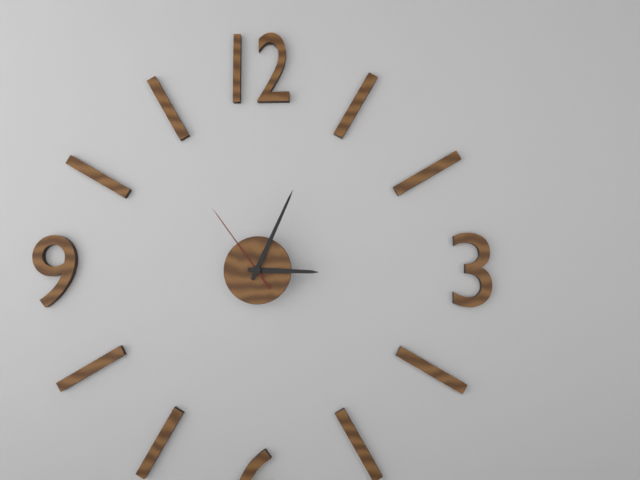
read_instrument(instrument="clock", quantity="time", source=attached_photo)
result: 3:04:54
